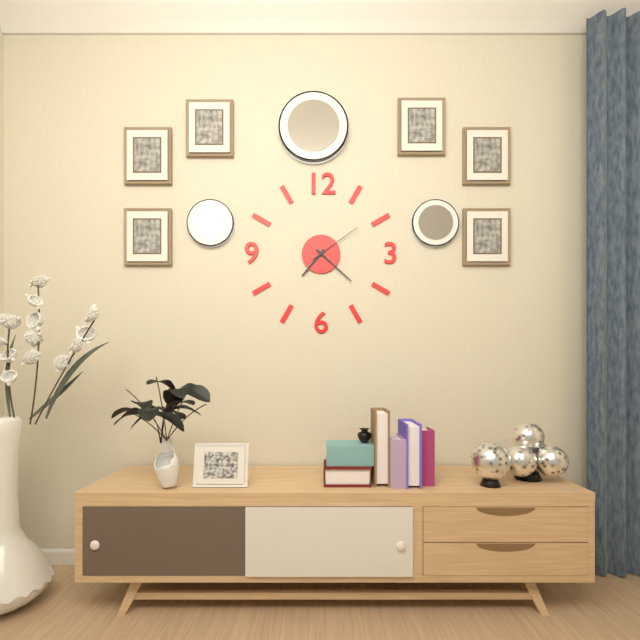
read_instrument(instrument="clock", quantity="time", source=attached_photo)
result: 7:22:09
